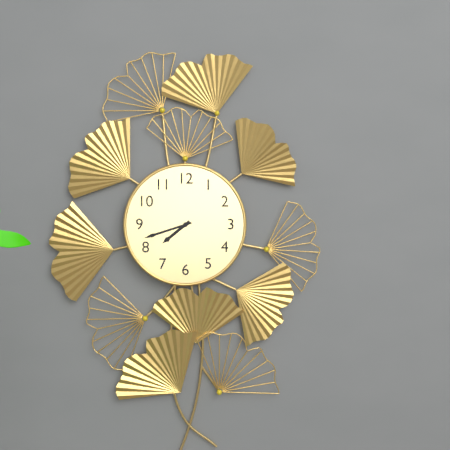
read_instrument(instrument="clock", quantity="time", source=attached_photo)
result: 7:42
